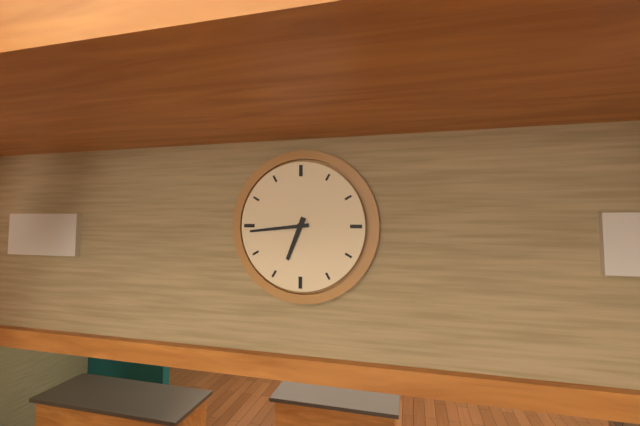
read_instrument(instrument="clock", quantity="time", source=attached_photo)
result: 6:44
